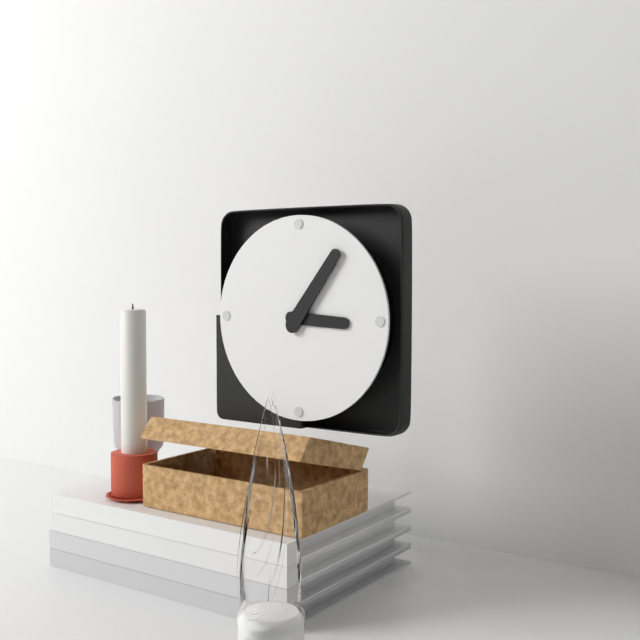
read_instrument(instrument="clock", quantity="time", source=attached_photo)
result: 3:06
